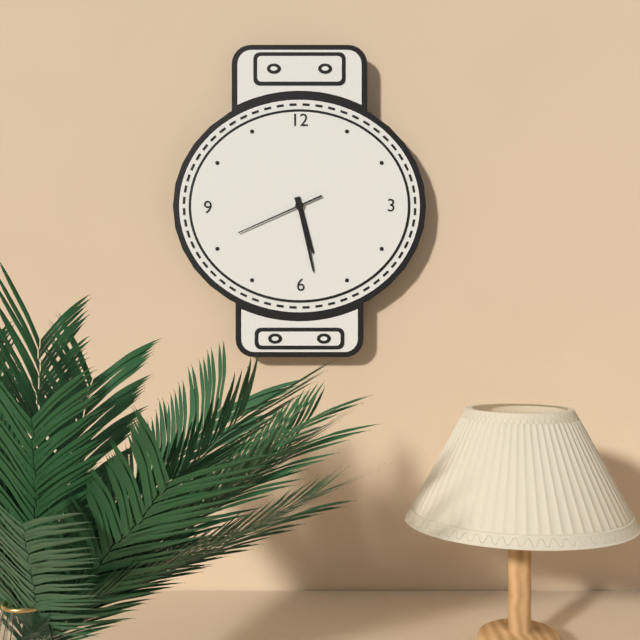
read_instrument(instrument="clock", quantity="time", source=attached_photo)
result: 5:28:41
